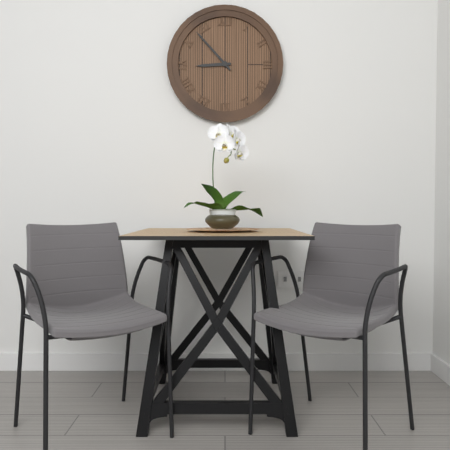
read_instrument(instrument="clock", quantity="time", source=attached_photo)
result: 8:53
